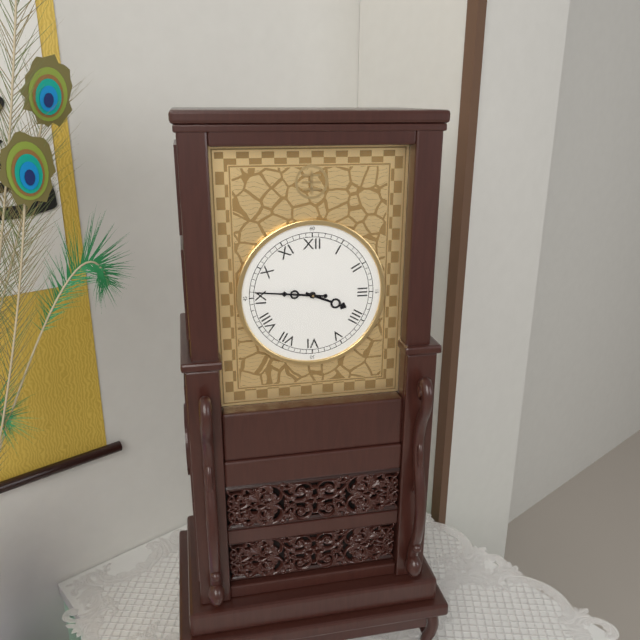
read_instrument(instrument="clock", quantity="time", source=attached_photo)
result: 3:46
